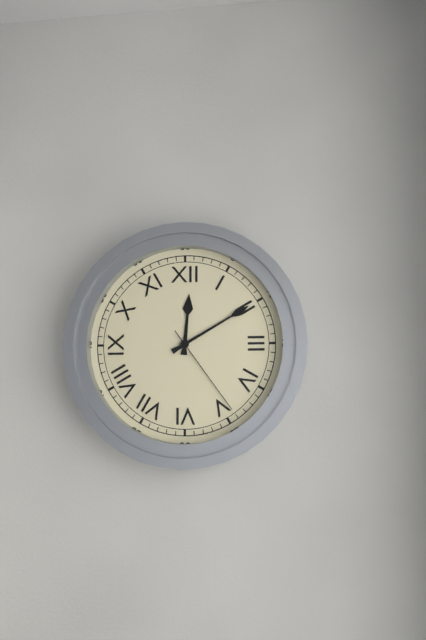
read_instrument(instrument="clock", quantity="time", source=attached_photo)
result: 12:10:24
